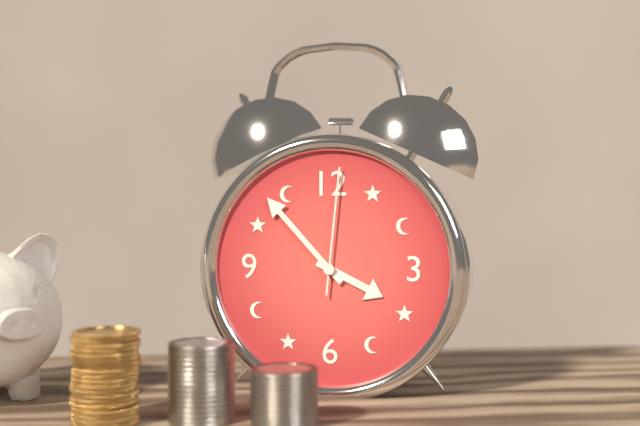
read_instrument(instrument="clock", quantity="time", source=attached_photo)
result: 3:53:01
